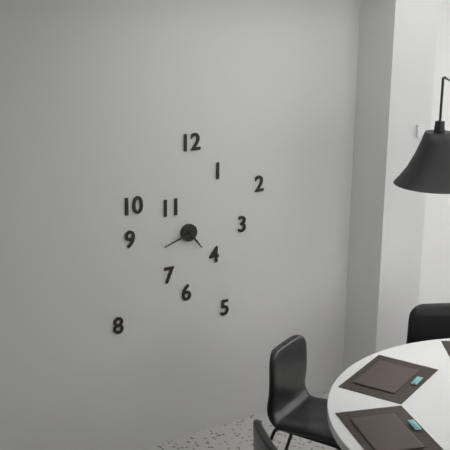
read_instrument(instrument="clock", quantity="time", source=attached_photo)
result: 4:42
